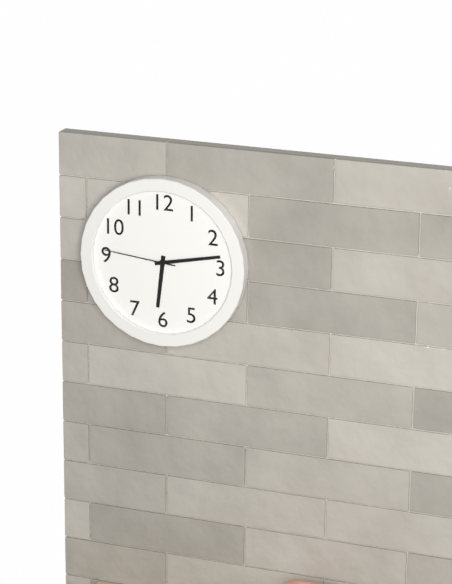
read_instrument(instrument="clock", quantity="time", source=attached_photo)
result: 6:13:46
